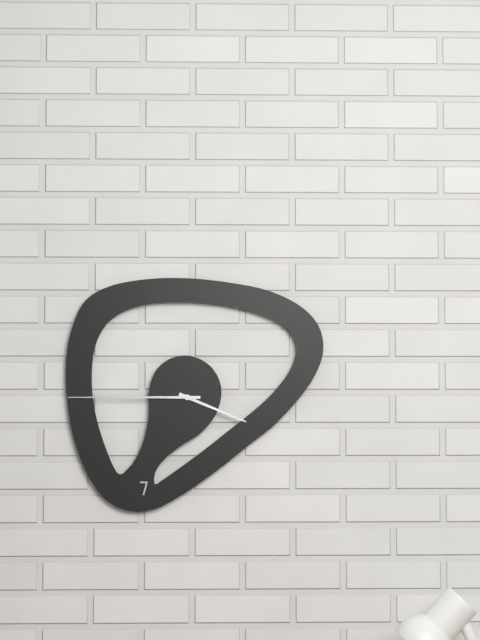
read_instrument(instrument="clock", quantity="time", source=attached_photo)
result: 3:45
